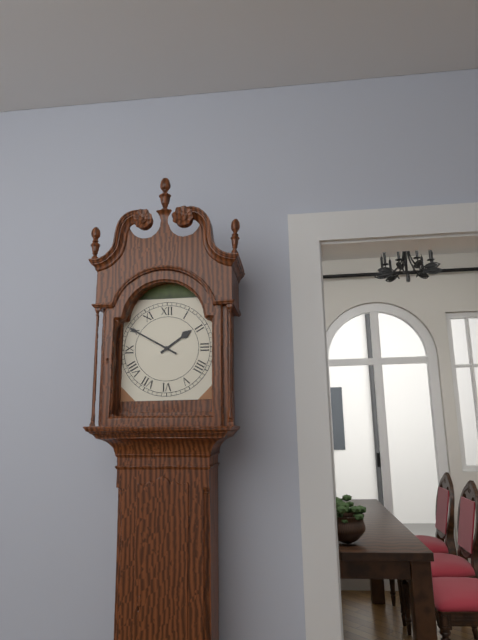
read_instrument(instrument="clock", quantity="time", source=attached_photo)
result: 1:50
